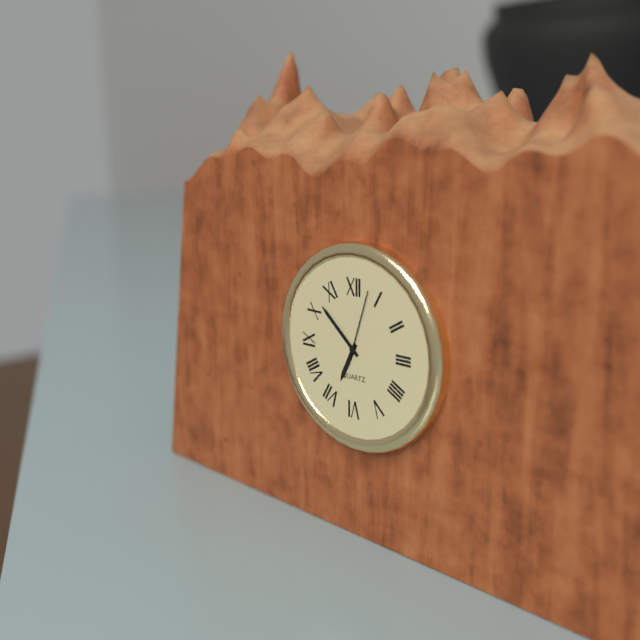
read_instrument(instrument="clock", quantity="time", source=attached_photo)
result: 6:52:03
